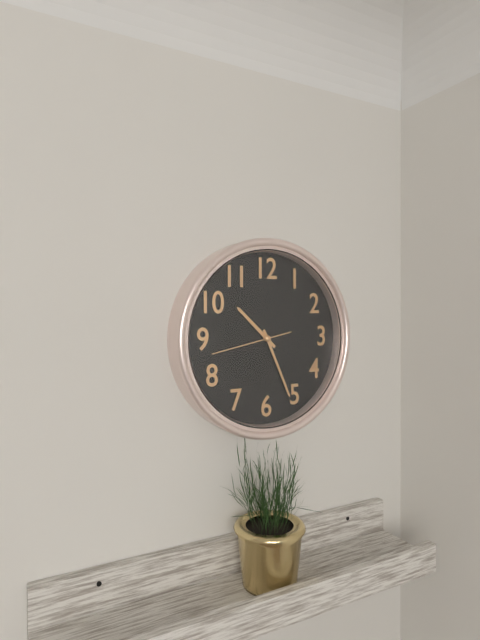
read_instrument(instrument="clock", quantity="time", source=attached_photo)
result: 10:26:43
